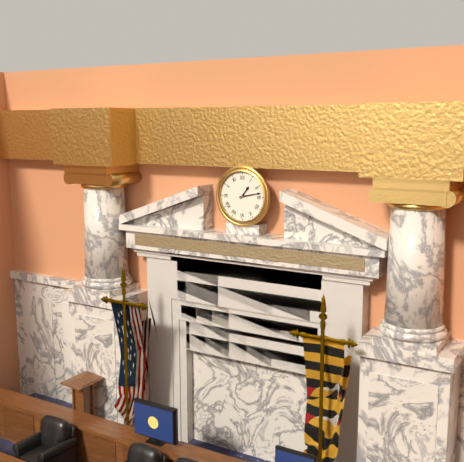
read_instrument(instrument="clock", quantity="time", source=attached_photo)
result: 1:13
